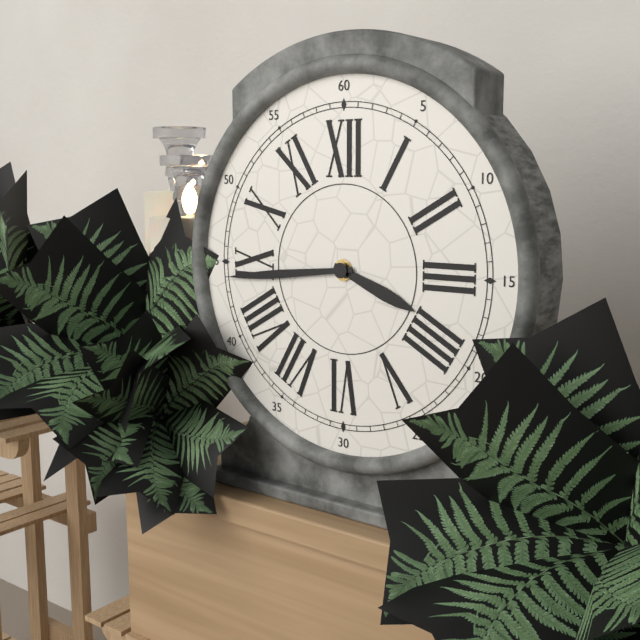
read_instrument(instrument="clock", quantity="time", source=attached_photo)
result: 3:44
